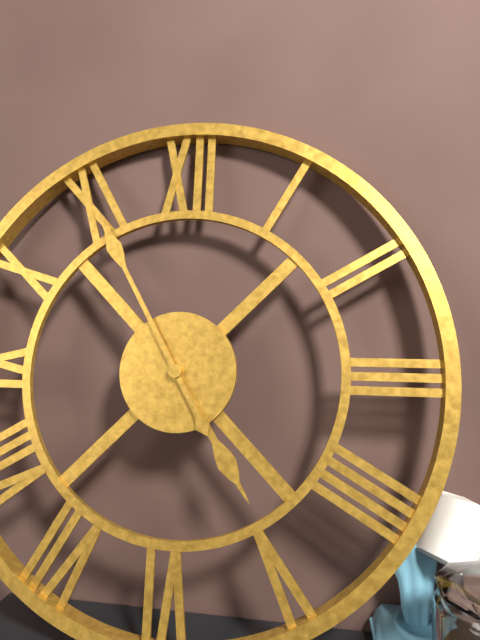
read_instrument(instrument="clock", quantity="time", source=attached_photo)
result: 4:55
